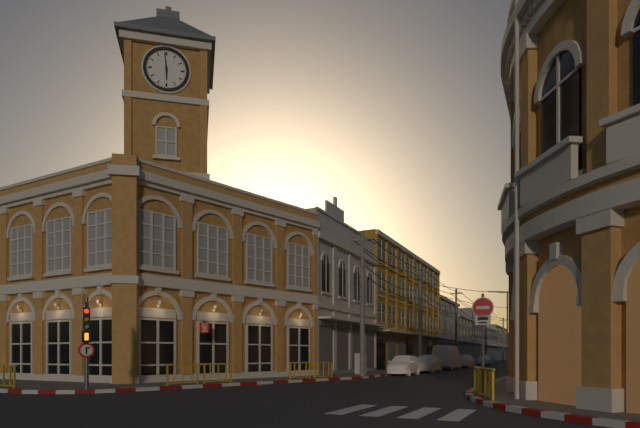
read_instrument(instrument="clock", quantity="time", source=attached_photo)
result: 5:59
